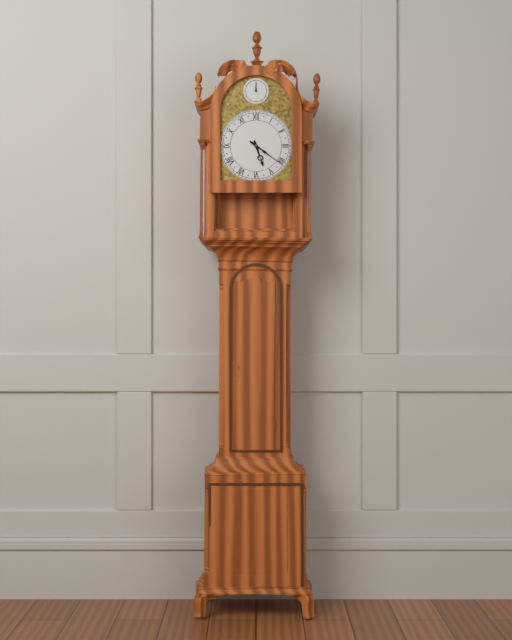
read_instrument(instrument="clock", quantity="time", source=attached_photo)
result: 5:21
